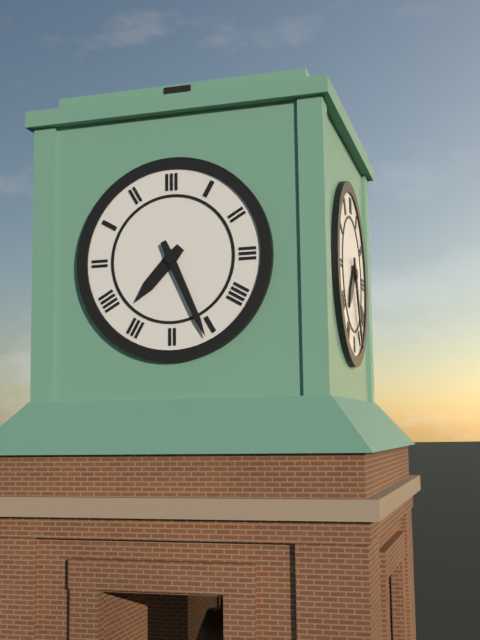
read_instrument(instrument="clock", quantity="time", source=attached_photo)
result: 7:26
